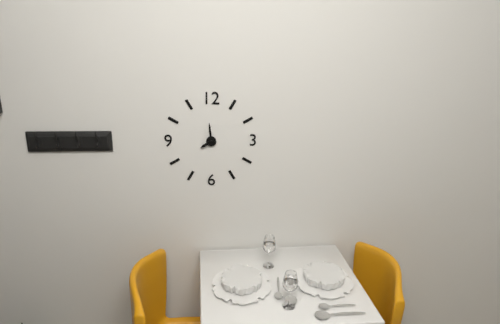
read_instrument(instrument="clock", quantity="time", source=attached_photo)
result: 7:59
